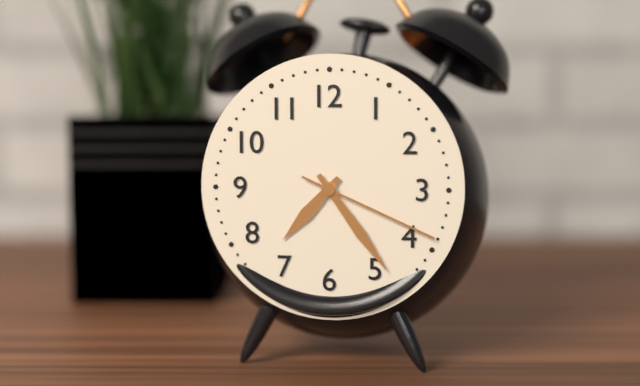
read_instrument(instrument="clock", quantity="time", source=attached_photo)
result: 7:24:19
